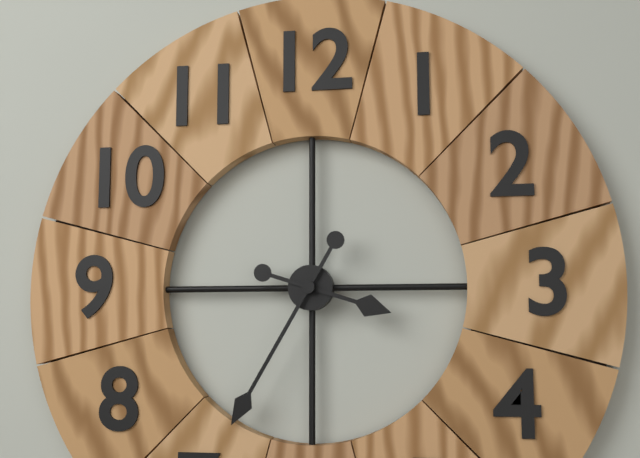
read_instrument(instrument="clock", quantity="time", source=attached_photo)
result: 3:35
